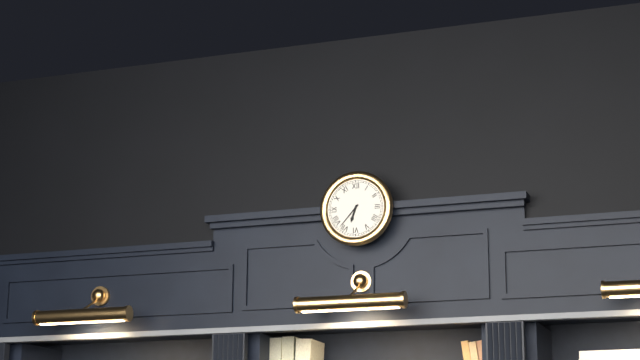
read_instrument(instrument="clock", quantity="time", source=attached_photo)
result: 6:37
